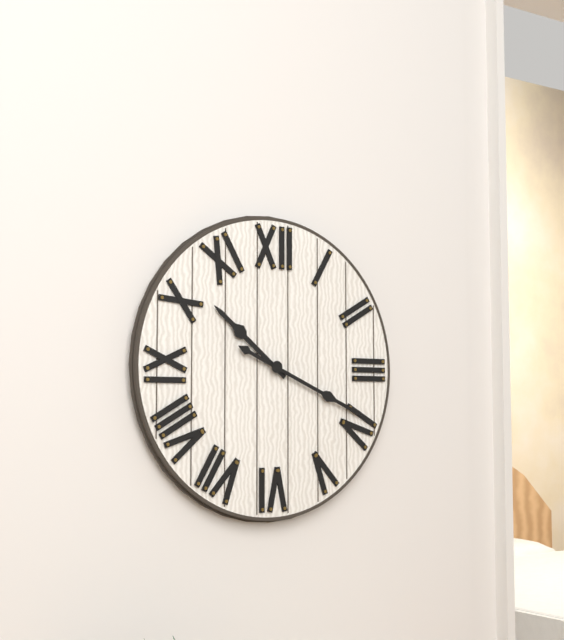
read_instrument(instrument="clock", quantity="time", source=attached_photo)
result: 10:19
